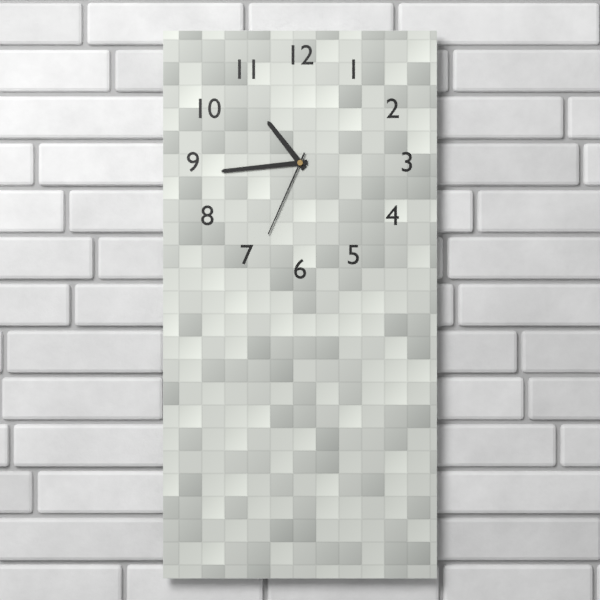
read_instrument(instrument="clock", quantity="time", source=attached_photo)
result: 10:44:34
